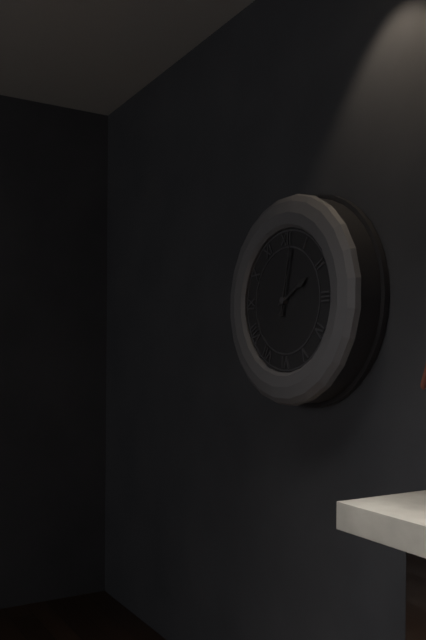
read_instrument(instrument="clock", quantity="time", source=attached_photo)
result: 2:02
